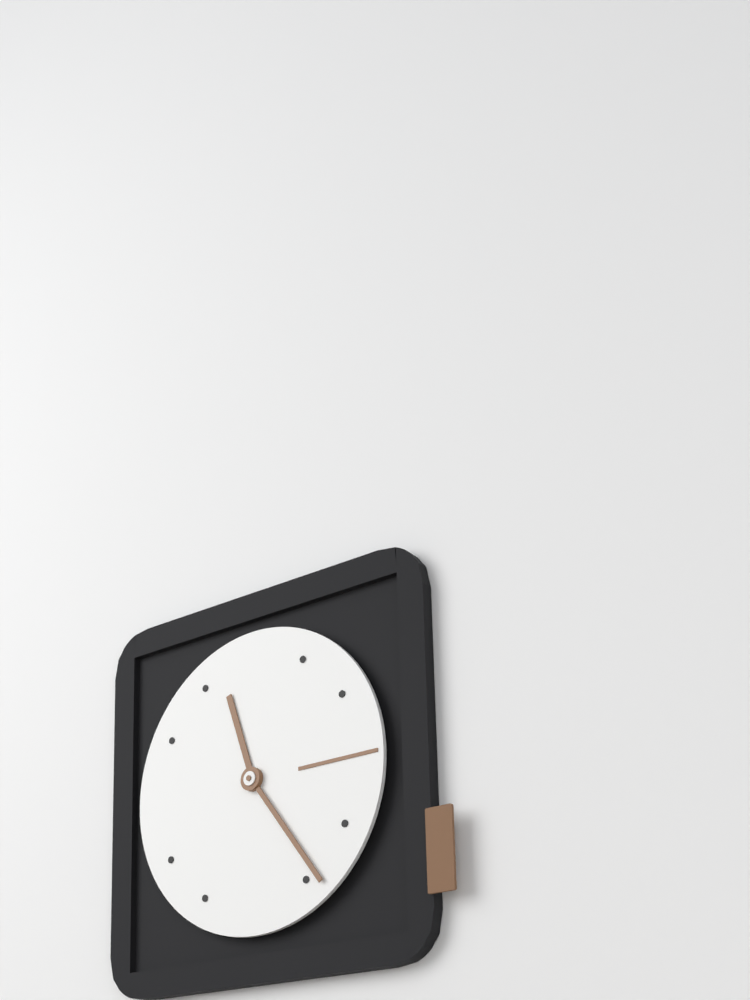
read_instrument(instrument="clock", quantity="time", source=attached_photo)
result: 11:24
